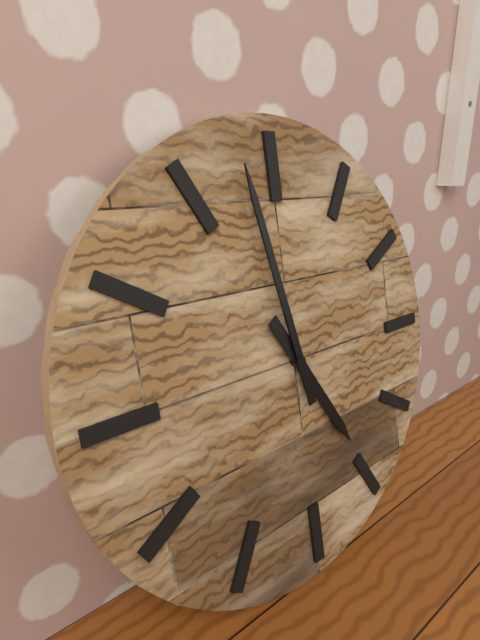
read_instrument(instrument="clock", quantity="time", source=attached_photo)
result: 4:58
